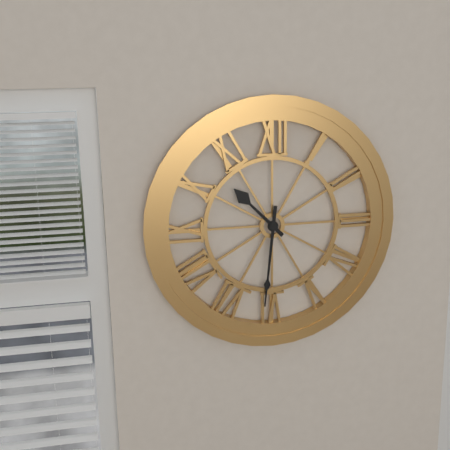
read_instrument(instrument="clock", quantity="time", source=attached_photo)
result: 10:31
